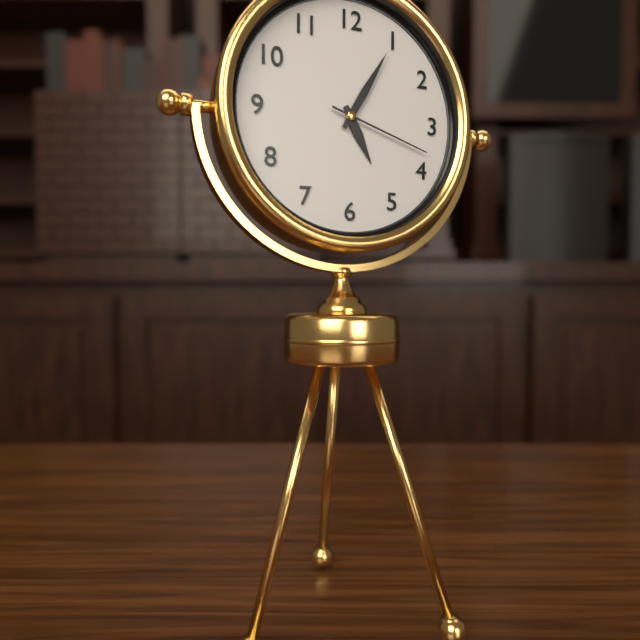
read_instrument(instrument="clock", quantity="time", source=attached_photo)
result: 5:05:18
